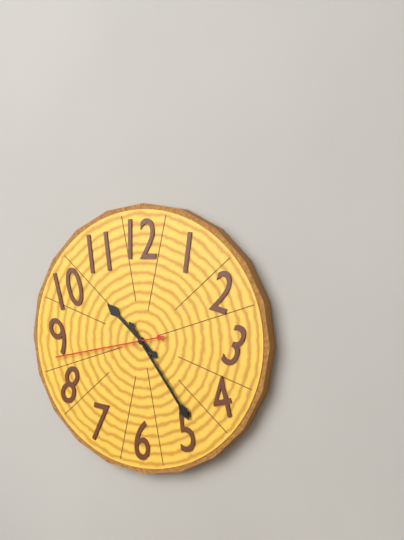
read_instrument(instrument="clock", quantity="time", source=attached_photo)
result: 10:24:43
